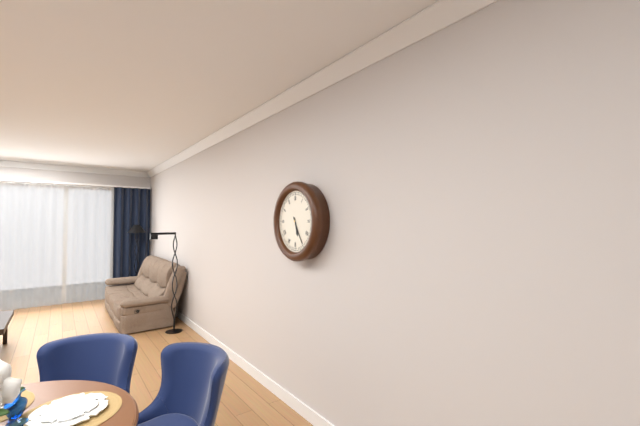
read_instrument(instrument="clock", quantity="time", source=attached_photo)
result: 5:25
